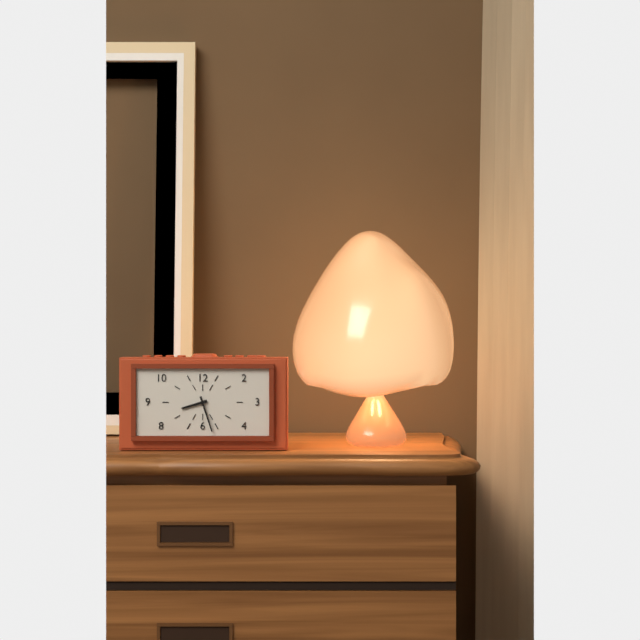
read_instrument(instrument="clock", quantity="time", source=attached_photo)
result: 8:27
